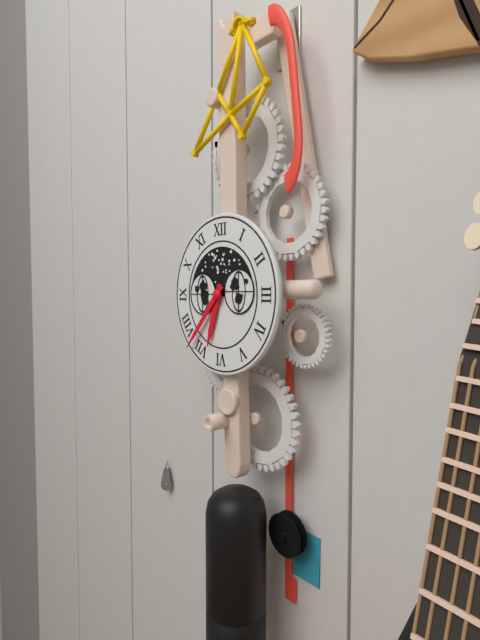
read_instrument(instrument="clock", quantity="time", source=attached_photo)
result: 6:37
